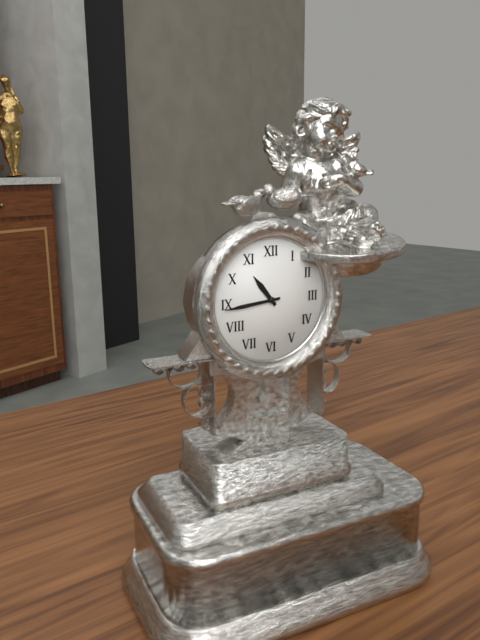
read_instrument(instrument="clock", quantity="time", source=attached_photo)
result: 10:44
